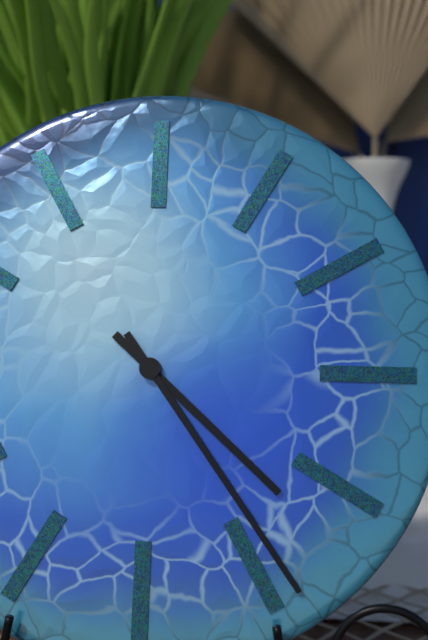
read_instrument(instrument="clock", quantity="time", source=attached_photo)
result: 4:24
